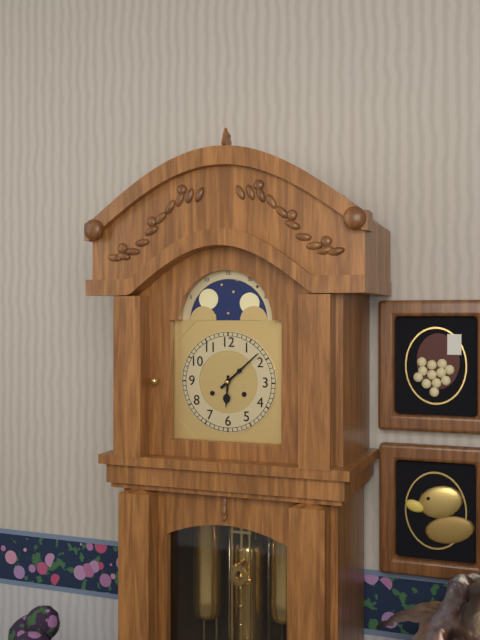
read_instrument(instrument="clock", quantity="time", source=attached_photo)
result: 6:08
